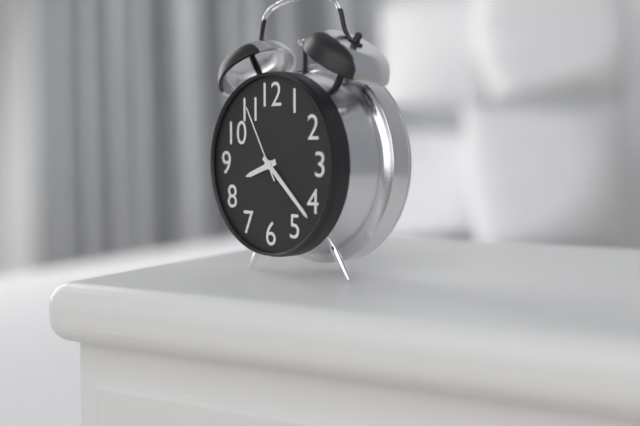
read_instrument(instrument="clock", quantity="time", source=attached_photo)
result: 8:22:55
